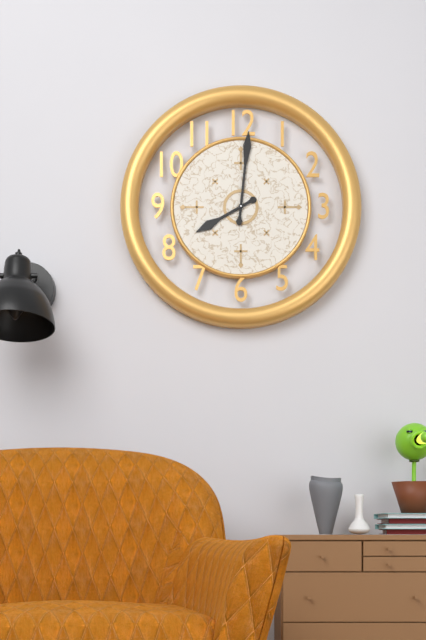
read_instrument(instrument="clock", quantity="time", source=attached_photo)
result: 8:01
